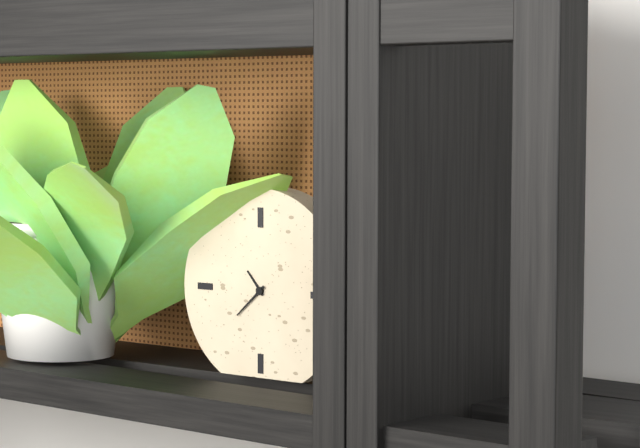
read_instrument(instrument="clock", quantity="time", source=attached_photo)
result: 10:38
